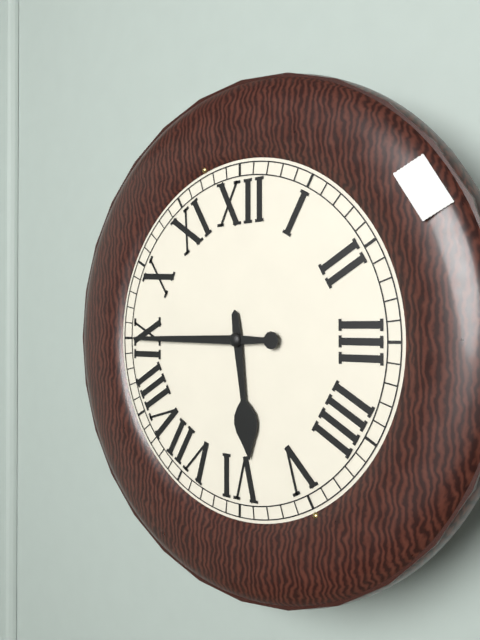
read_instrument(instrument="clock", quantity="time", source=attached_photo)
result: 5:45
